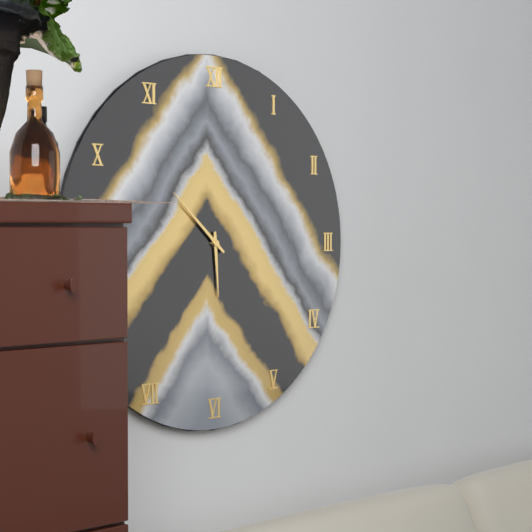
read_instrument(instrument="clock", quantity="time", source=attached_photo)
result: 5:52
